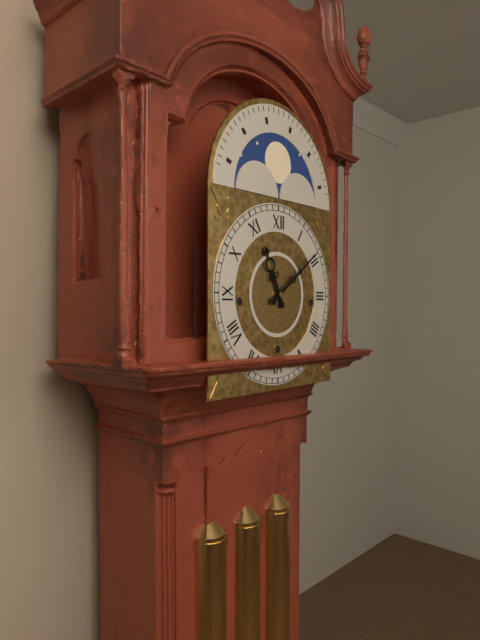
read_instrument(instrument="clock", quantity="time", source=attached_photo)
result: 11:09
